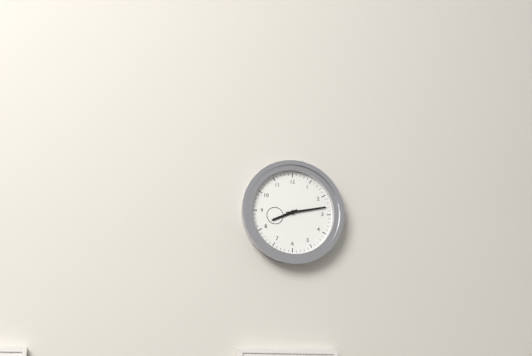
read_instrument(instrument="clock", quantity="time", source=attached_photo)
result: 8:13
